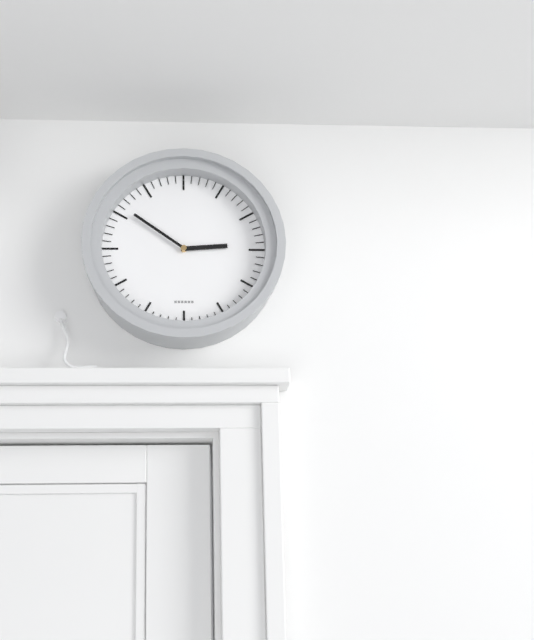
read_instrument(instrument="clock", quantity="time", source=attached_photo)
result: 2:51
